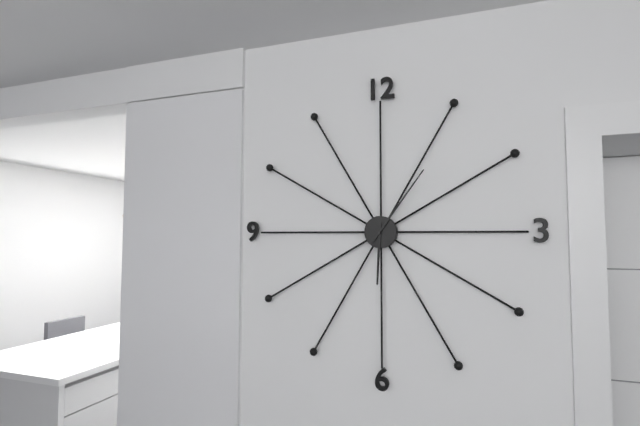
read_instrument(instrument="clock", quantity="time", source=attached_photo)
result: 6:06
